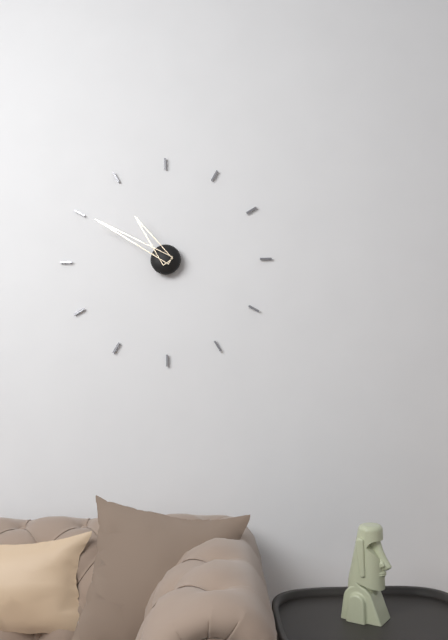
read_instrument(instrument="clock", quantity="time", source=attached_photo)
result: 10:50
